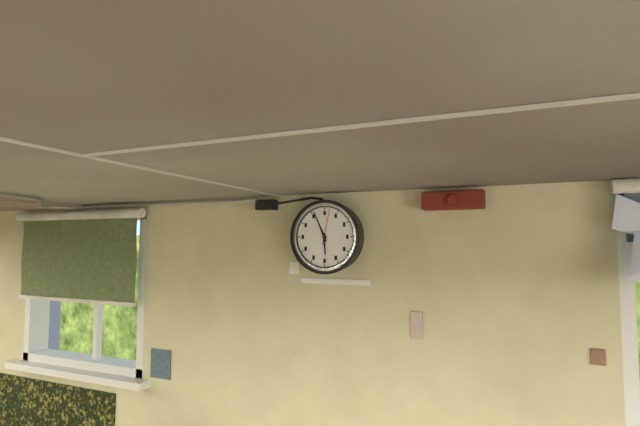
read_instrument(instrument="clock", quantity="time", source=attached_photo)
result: 5:56
